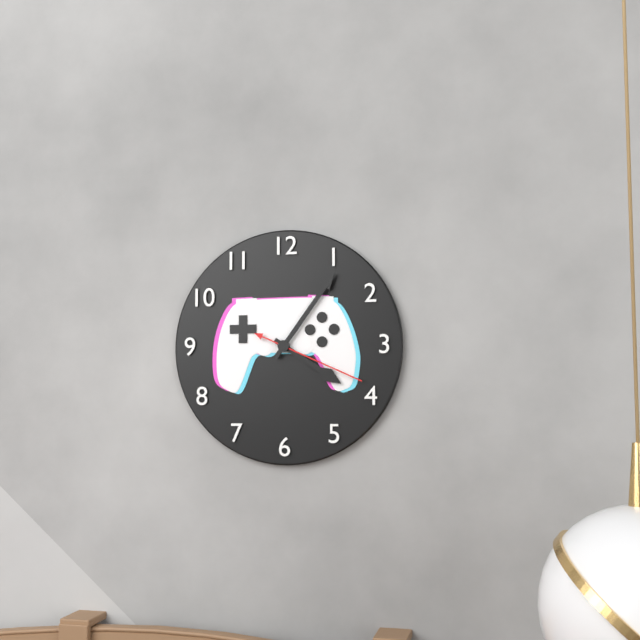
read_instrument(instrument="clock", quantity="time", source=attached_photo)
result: 4:06:19
